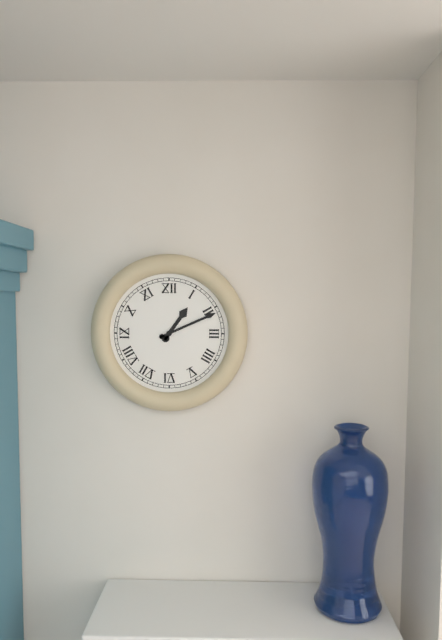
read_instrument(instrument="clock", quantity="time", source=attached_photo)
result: 1:11
